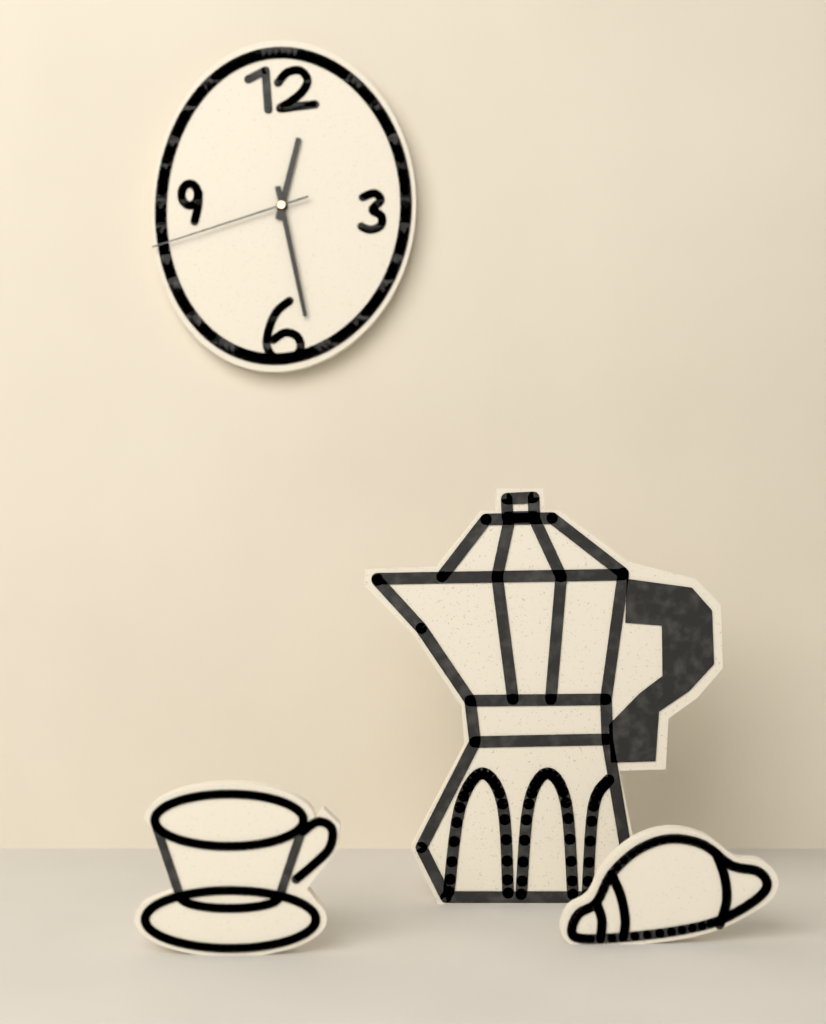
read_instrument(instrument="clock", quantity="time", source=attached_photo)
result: 12:28:42
